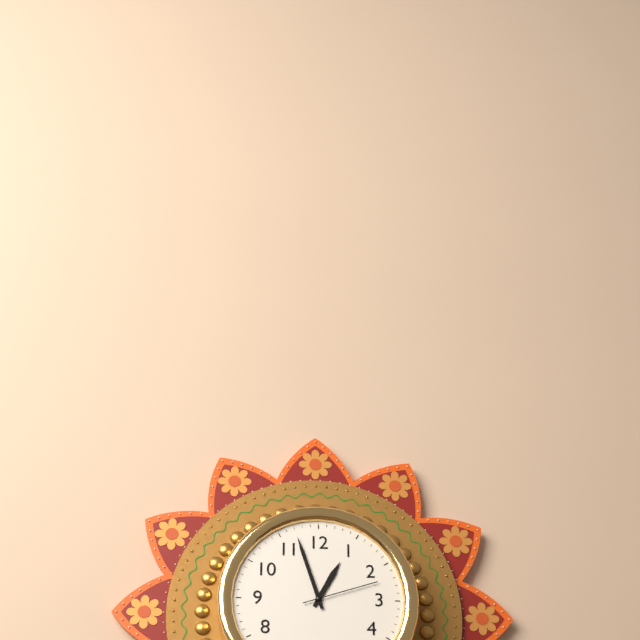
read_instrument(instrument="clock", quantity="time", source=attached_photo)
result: 12:57:12
